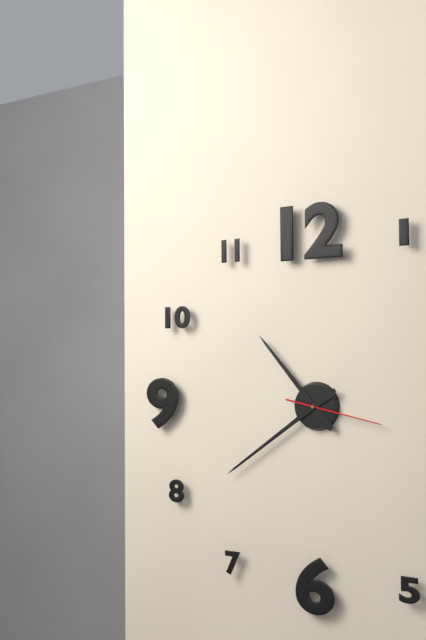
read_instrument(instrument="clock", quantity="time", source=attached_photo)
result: 10:39:17
